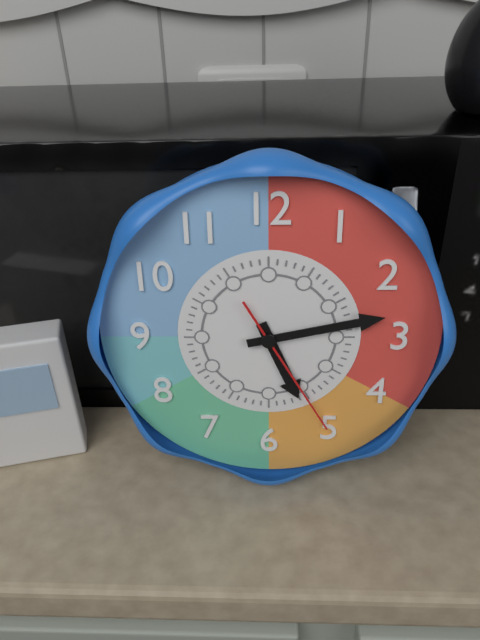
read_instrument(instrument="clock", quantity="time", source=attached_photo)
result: 5:13:25
